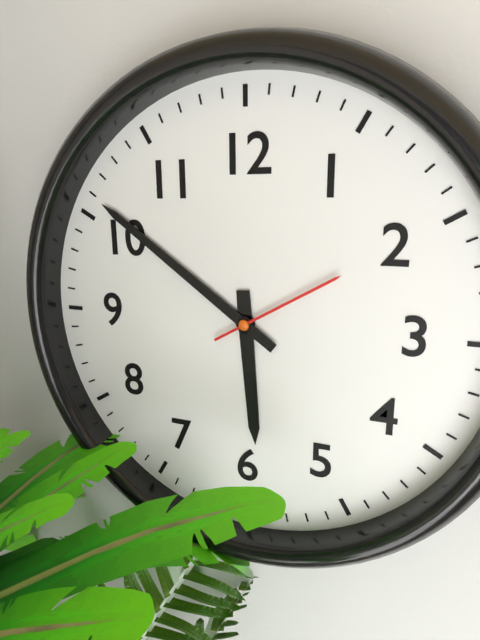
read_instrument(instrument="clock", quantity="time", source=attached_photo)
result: 5:51:10
